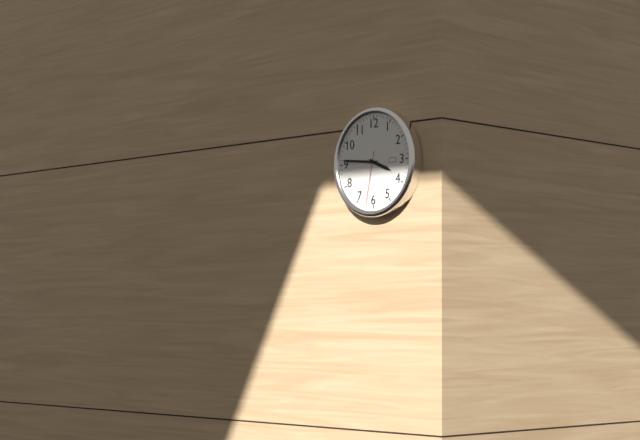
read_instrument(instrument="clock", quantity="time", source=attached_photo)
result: 3:46:32
